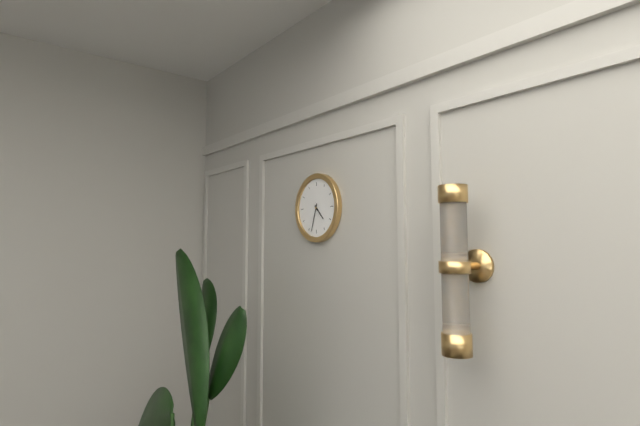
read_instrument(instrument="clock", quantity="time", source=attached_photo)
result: 4:33
